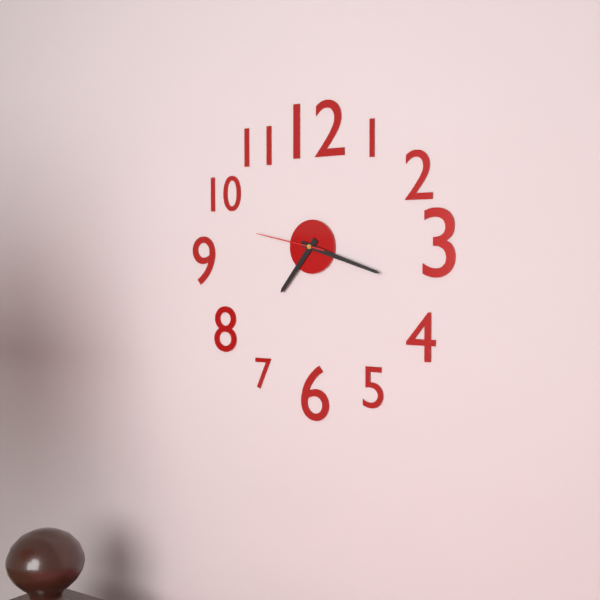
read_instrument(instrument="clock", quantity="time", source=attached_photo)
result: 7:18:47
